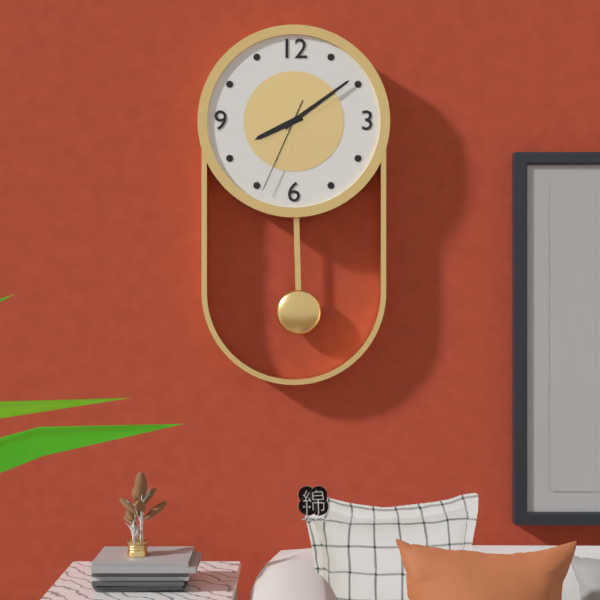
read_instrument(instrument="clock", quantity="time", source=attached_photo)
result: 8:09:34
